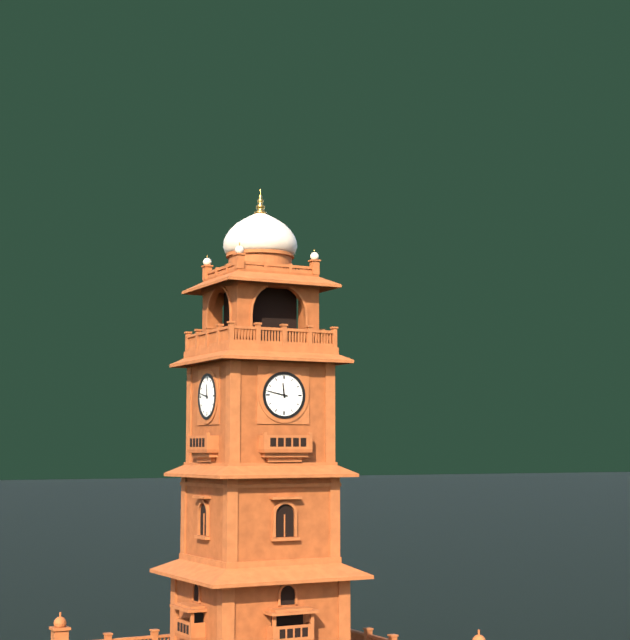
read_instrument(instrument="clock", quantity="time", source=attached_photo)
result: 11:47
